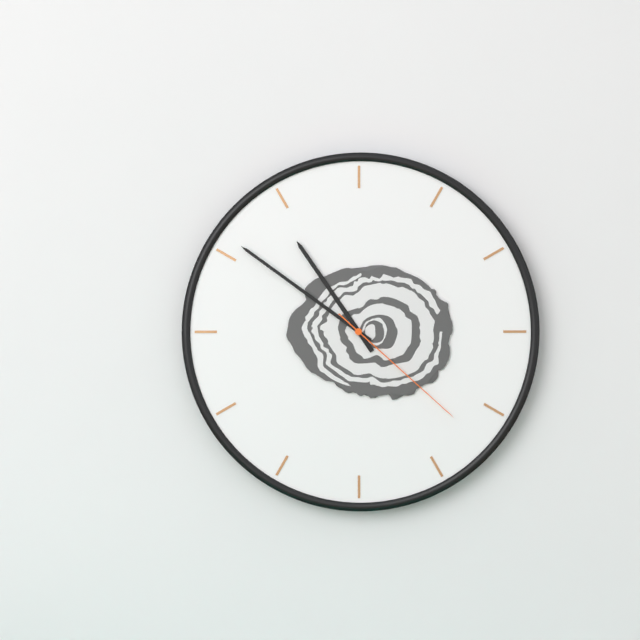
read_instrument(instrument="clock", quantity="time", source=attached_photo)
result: 10:51:22
